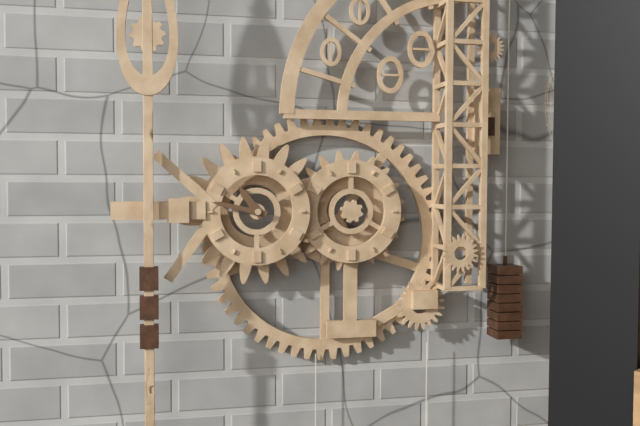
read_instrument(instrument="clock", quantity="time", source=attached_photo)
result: 10:47
